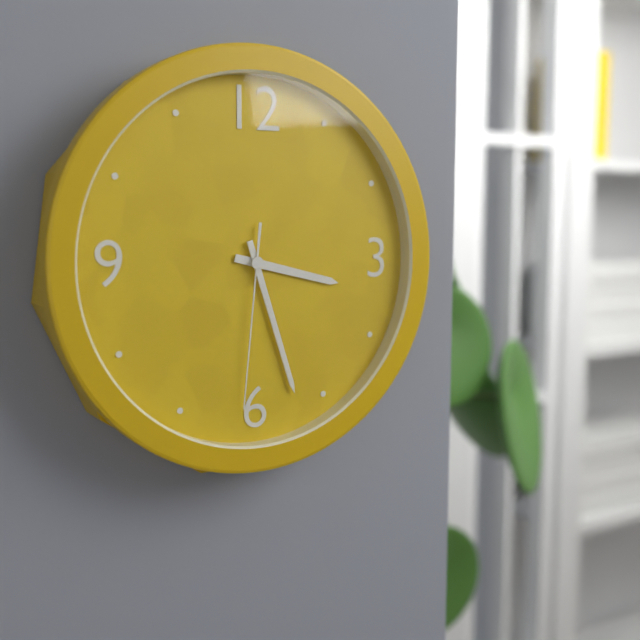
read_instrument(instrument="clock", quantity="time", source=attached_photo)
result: 3:27:31
